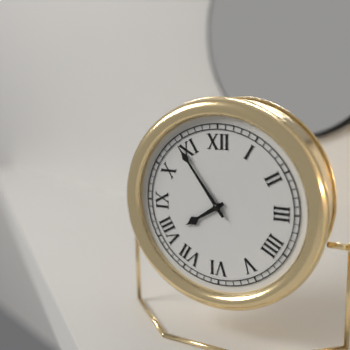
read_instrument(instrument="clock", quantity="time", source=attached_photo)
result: 7:54
